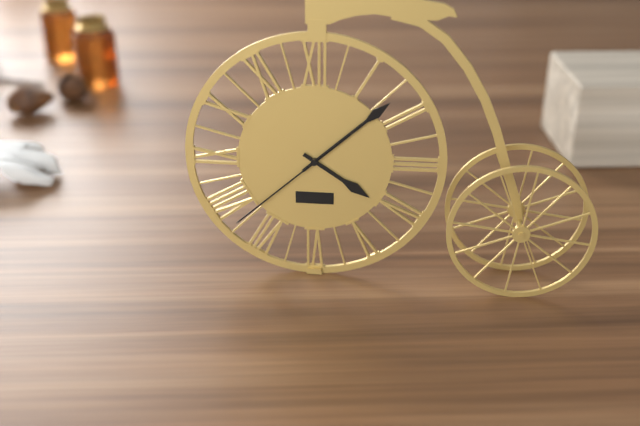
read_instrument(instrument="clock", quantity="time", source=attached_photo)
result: 4:08:38
